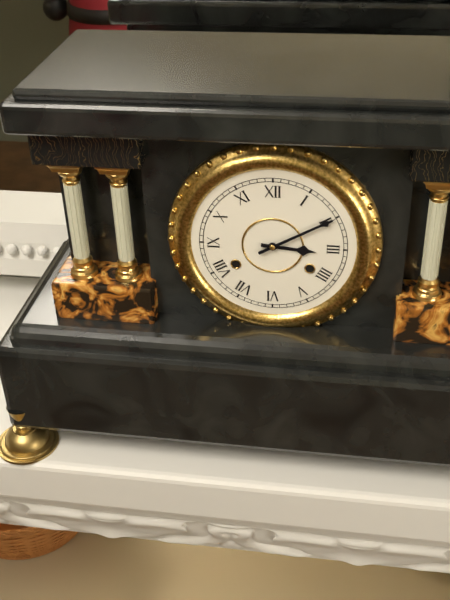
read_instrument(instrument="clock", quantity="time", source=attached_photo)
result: 3:10
